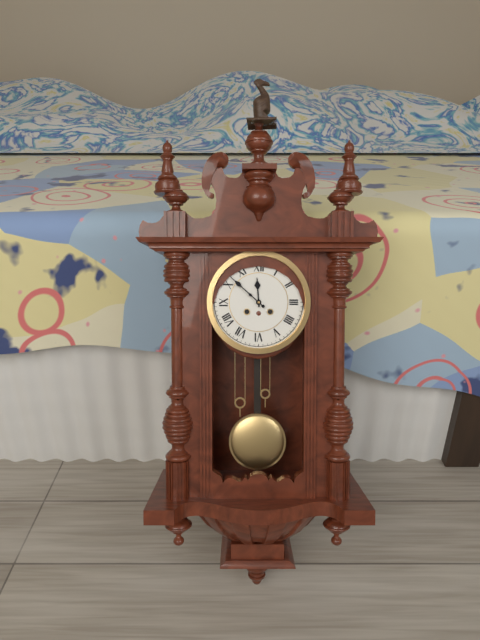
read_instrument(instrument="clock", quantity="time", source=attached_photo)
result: 11:52
